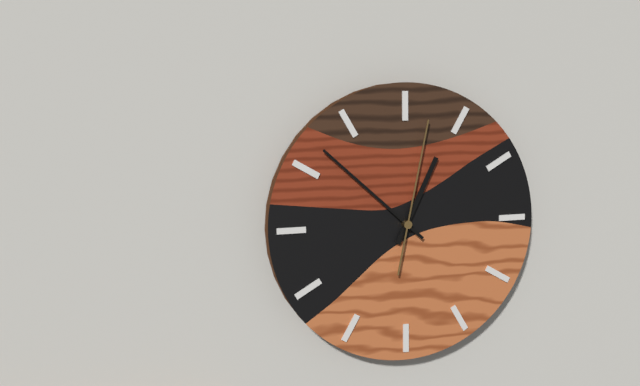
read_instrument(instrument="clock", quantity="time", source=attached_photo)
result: 12:52:02
